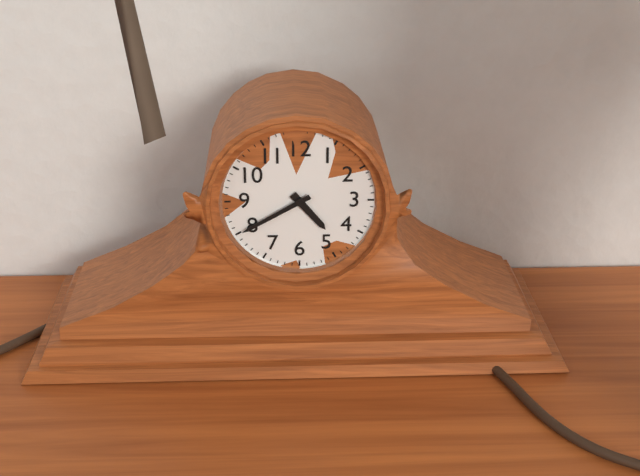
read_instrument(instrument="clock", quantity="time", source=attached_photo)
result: 4:40
